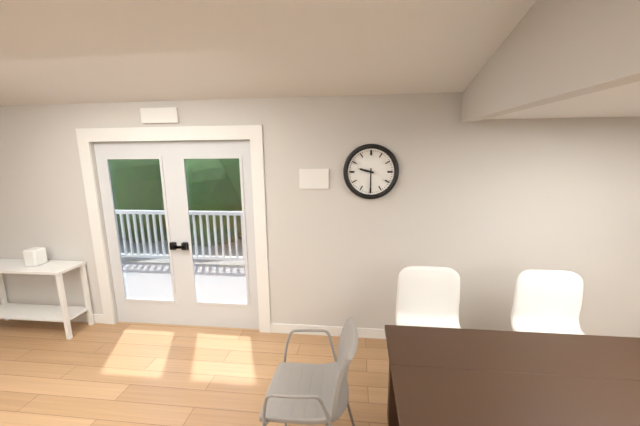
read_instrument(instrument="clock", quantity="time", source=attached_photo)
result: 9:30
